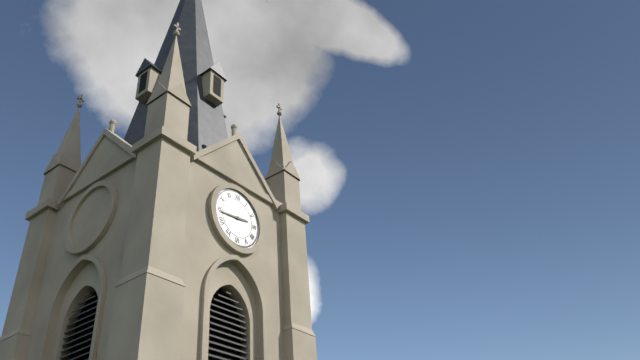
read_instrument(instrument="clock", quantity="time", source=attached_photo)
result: 2:44
